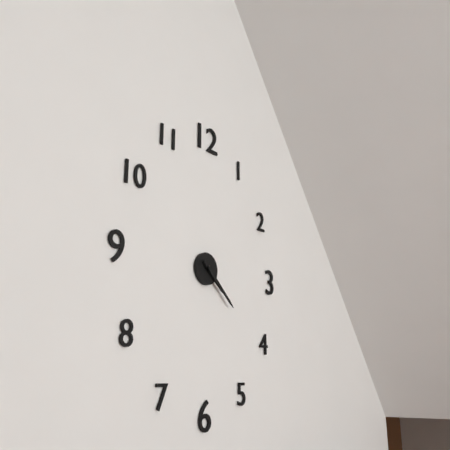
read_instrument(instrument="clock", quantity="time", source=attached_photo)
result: 4:22
